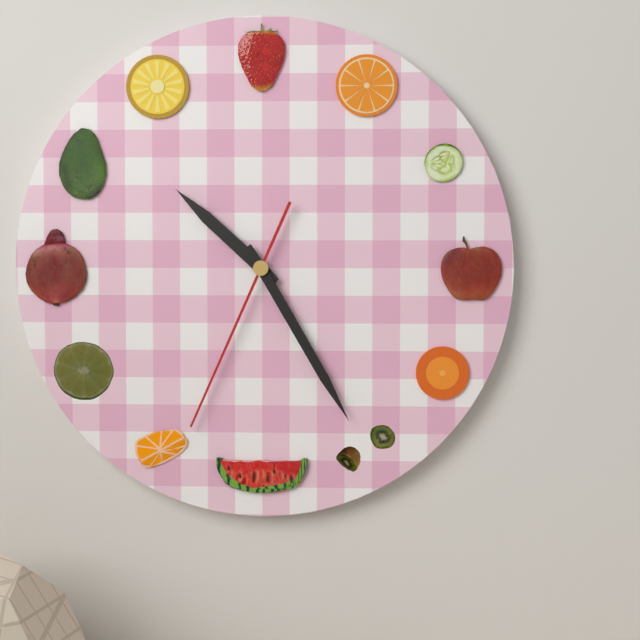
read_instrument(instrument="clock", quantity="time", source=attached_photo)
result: 10:25:34
